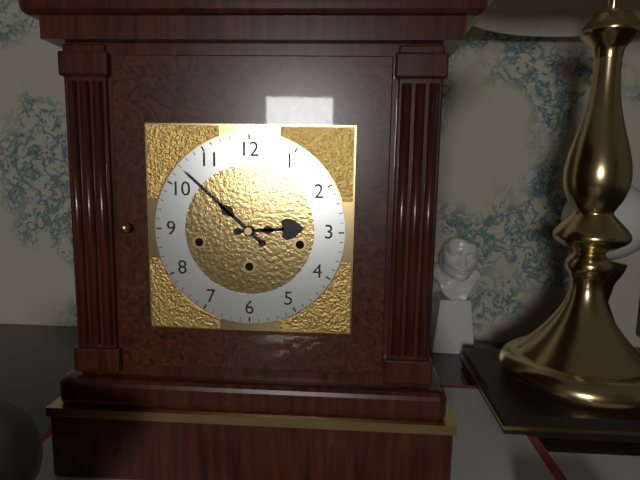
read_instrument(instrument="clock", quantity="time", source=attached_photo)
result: 2:52
